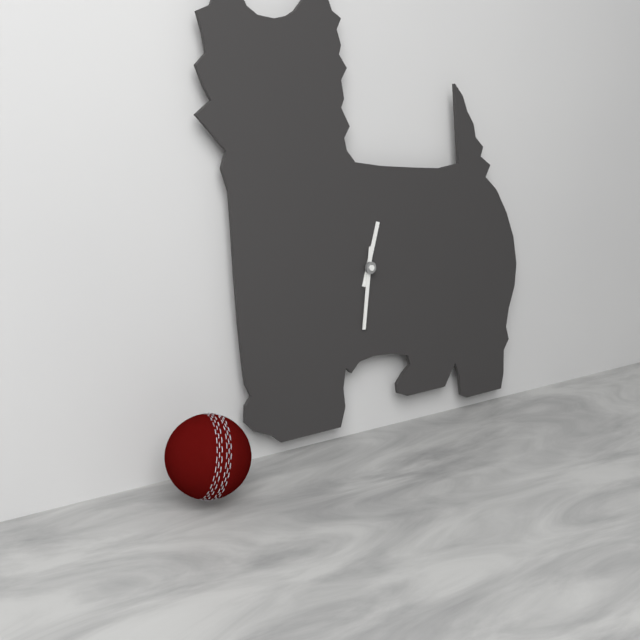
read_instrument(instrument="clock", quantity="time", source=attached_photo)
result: 12:31
